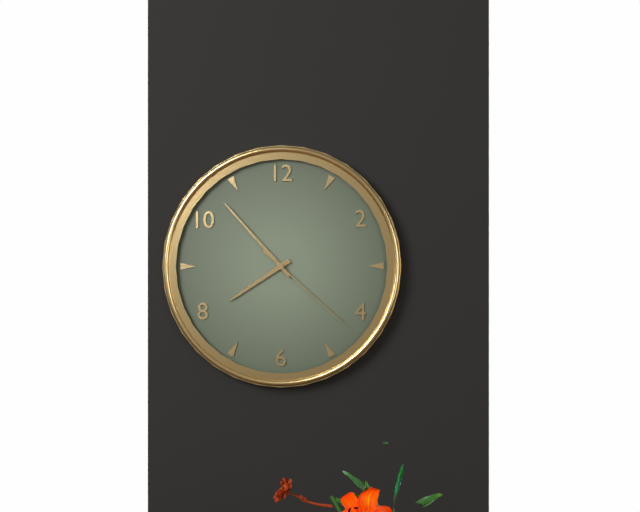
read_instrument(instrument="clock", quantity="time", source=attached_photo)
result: 7:53:22
